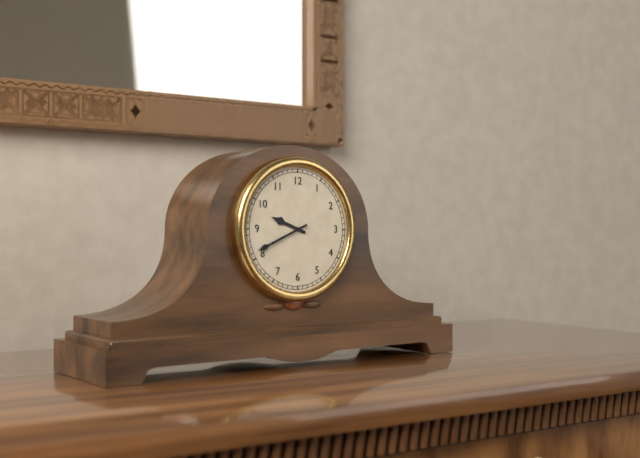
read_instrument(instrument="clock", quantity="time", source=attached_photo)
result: 9:41
